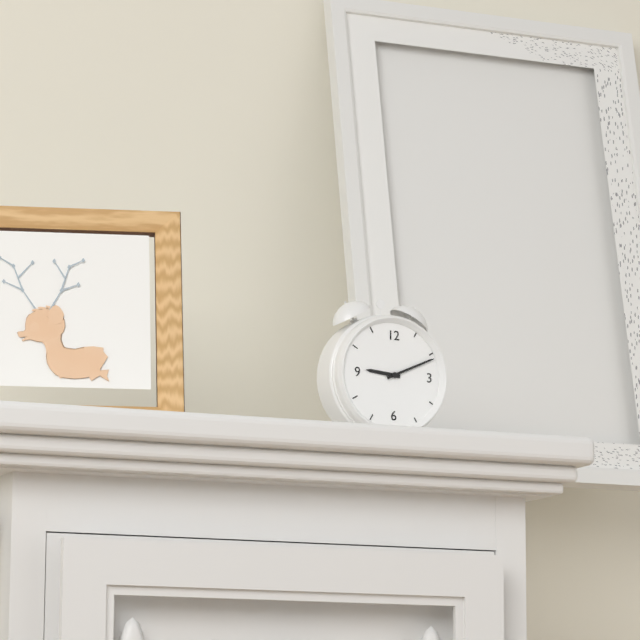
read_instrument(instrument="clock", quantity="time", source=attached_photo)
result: 9:11
